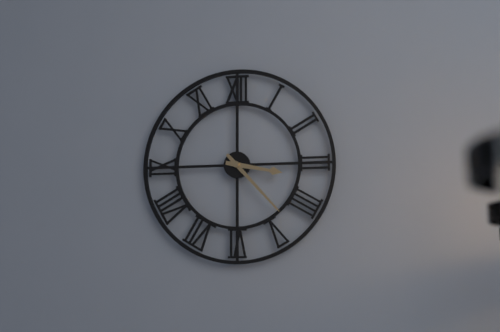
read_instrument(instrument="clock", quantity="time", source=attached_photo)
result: 3:23
